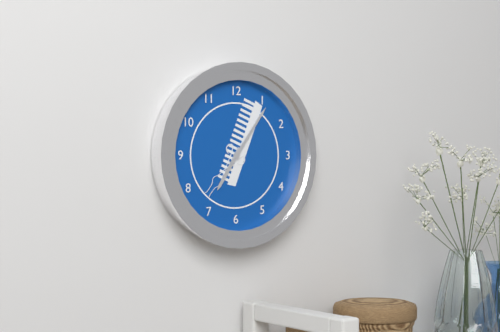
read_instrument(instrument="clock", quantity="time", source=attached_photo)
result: 7:06
